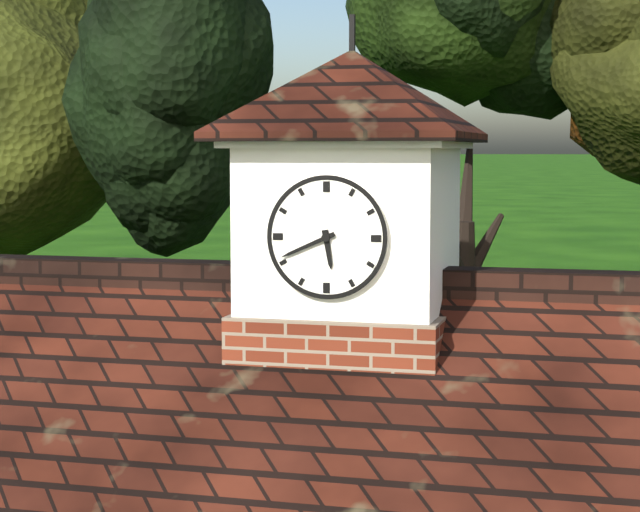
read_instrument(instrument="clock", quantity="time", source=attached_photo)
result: 5:41
